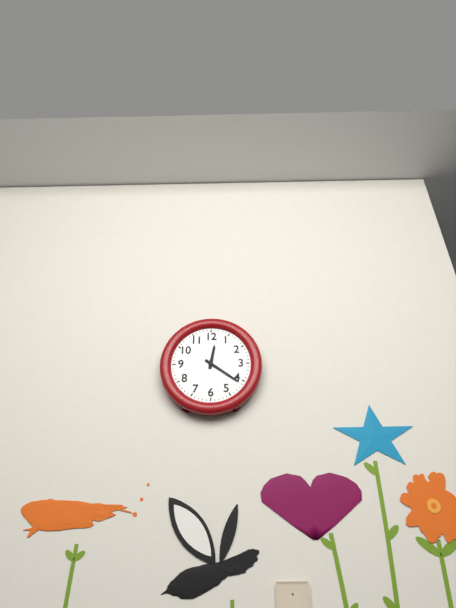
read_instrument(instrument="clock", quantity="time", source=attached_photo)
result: 12:21
